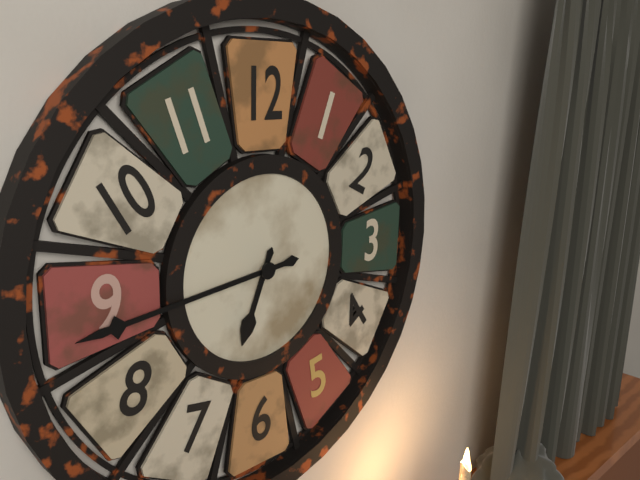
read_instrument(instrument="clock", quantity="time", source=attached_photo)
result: 6:44
